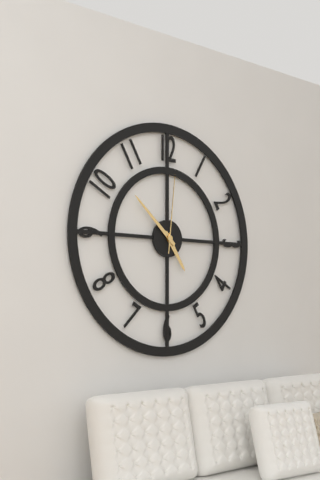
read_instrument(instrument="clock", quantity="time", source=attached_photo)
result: 4:52:01
